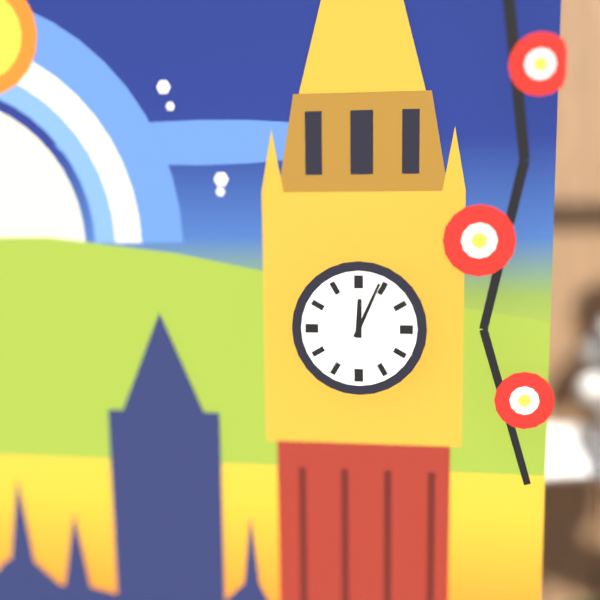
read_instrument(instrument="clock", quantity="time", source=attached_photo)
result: 12:04
